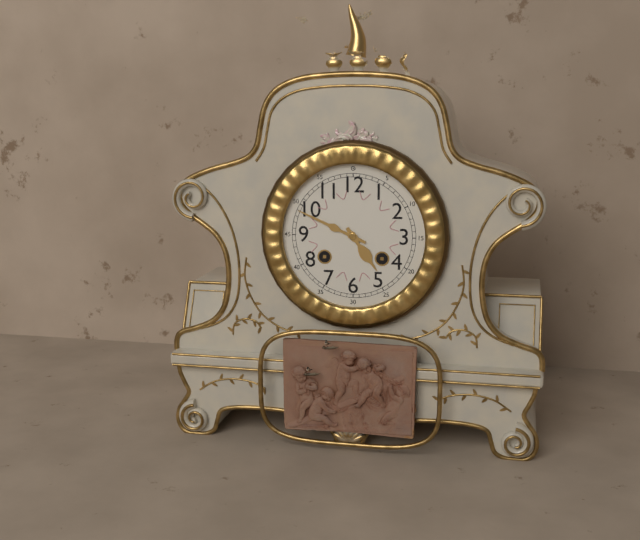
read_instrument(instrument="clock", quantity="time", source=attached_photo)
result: 4:49
